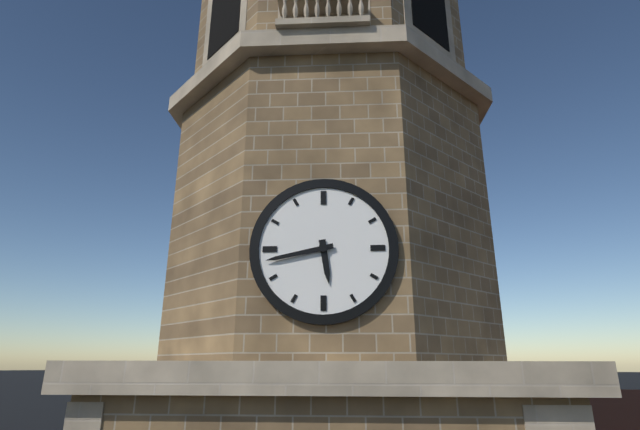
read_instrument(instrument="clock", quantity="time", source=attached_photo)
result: 5:43
